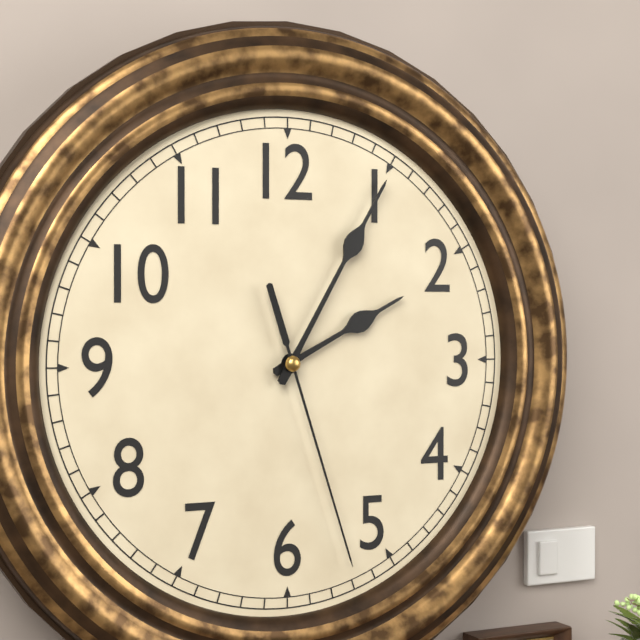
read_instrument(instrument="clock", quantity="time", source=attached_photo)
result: 2:05:27
